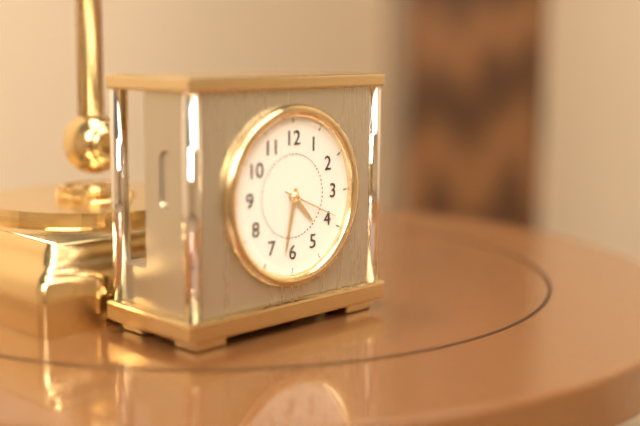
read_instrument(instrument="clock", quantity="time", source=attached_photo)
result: 4:32:19
